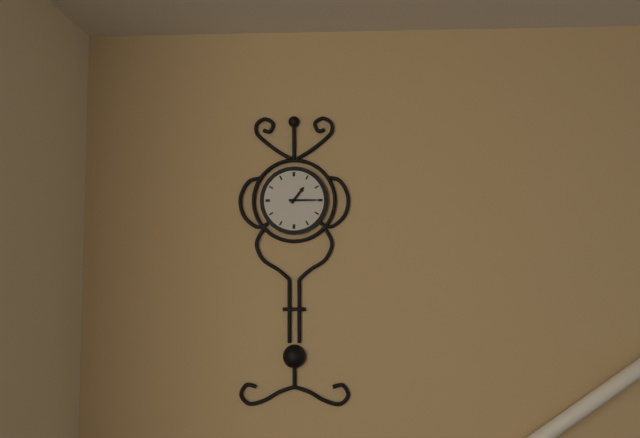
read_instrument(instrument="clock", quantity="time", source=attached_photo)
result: 1:15
